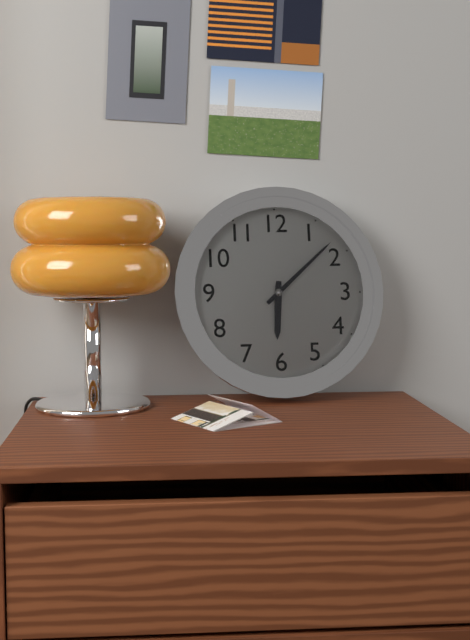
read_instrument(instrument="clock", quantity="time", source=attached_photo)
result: 6:08
